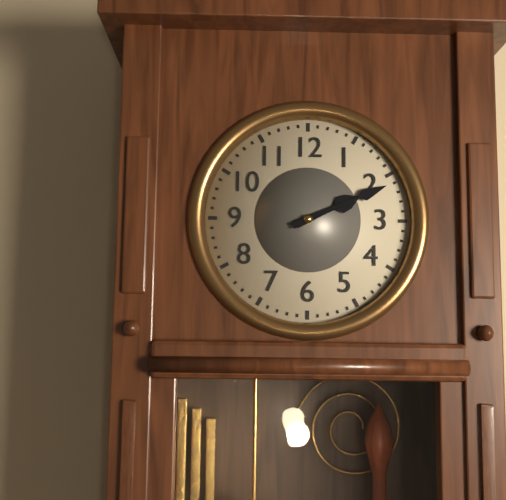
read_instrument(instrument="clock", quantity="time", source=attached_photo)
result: 2:11
